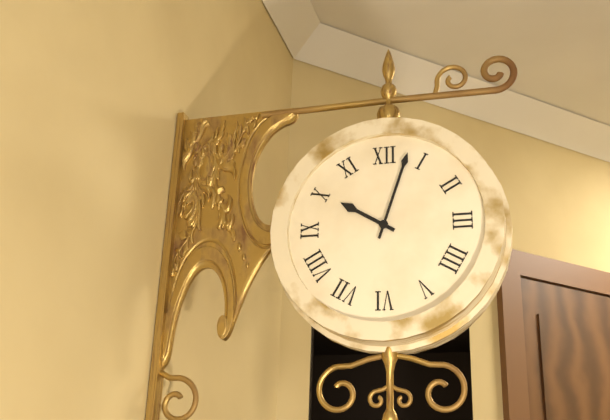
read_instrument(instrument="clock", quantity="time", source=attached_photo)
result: 10:03
